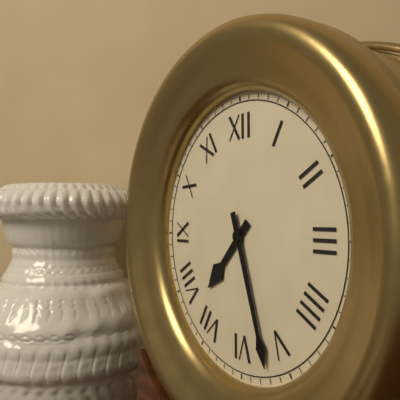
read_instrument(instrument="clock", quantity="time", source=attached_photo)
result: 7:27
